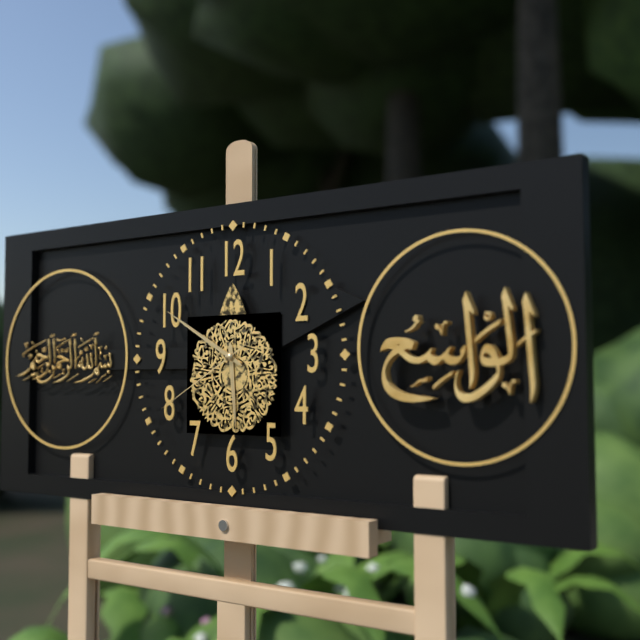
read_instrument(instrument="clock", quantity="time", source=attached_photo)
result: 5:50:40
